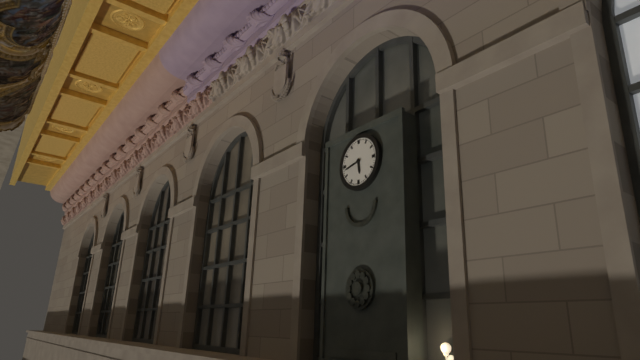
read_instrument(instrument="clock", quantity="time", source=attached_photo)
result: 5:43
